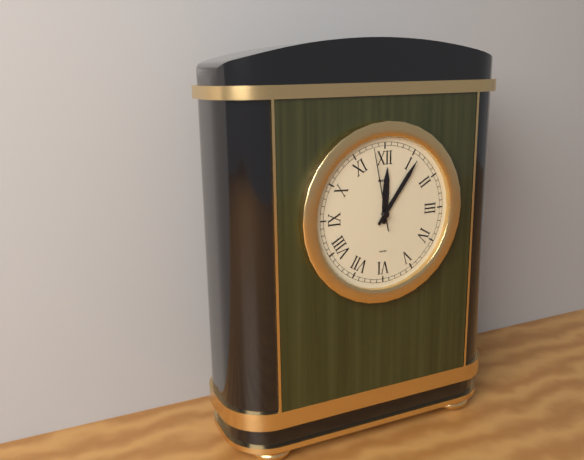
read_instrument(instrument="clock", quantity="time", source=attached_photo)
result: 12:06:58
